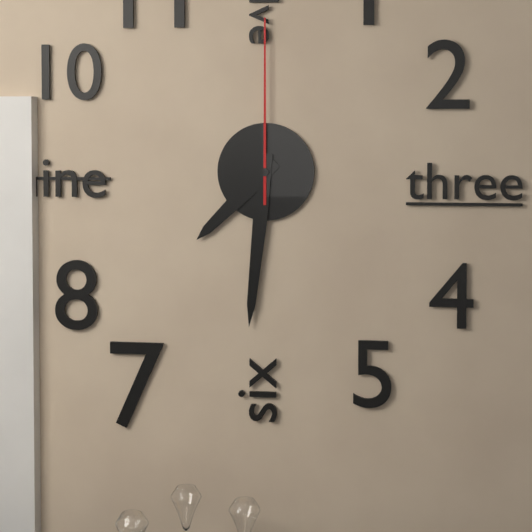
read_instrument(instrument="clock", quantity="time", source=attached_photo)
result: 7:31:00
